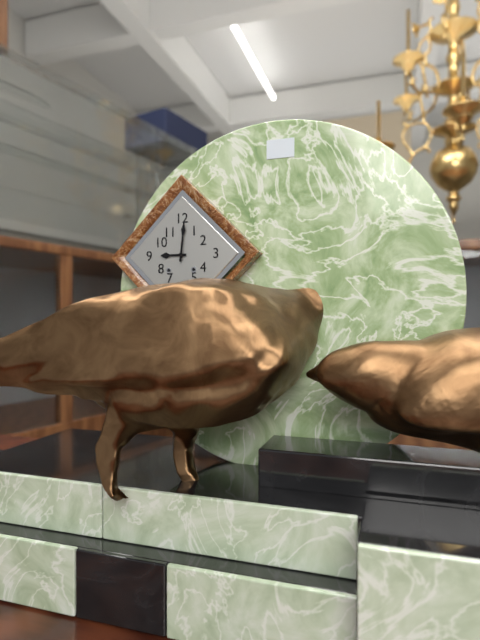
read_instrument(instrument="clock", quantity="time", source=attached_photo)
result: 9:01
